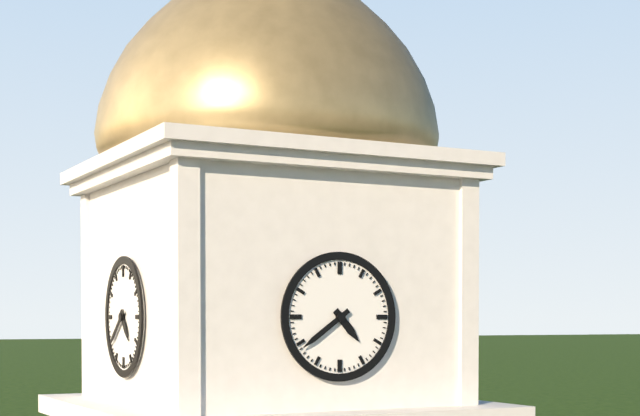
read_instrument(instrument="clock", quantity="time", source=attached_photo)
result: 4:39
